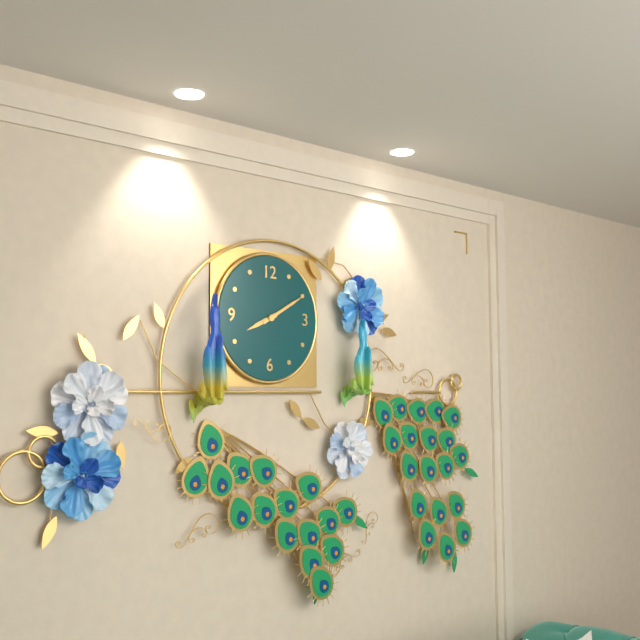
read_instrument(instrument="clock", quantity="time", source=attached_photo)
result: 8:10
